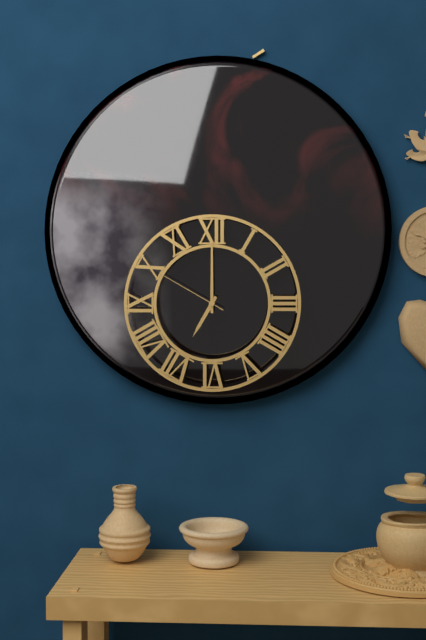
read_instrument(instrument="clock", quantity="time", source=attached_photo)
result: 7:00:50
